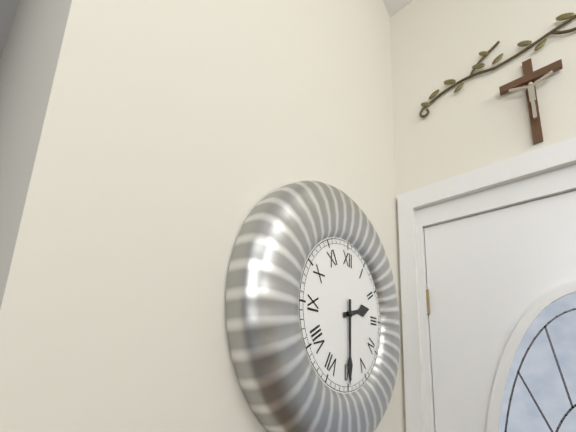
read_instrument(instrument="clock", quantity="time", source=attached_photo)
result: 2:30
